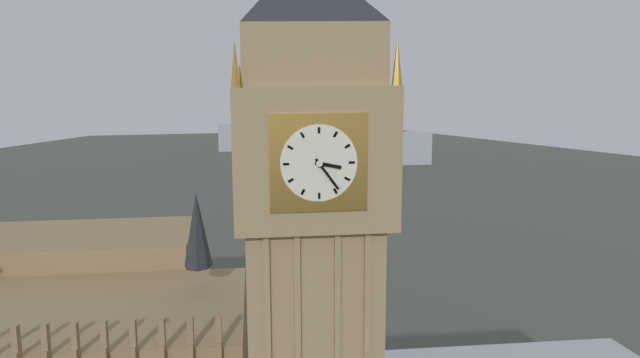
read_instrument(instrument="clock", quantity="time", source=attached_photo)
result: 3:24
